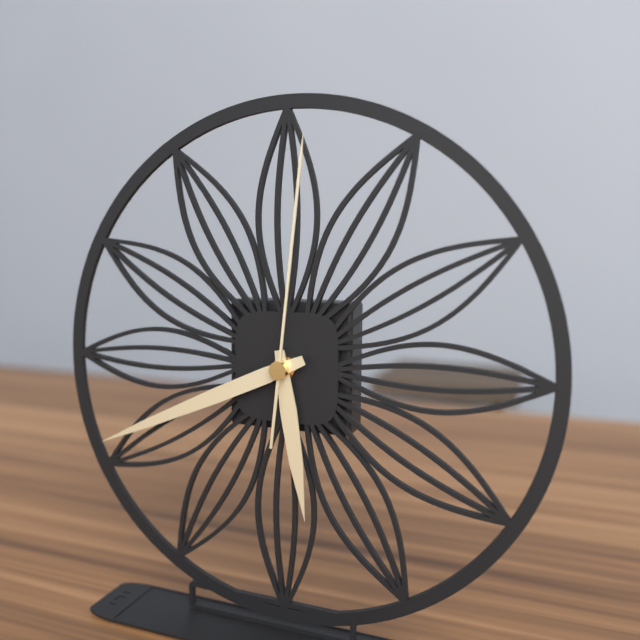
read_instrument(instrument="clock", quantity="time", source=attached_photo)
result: 5:41:01
